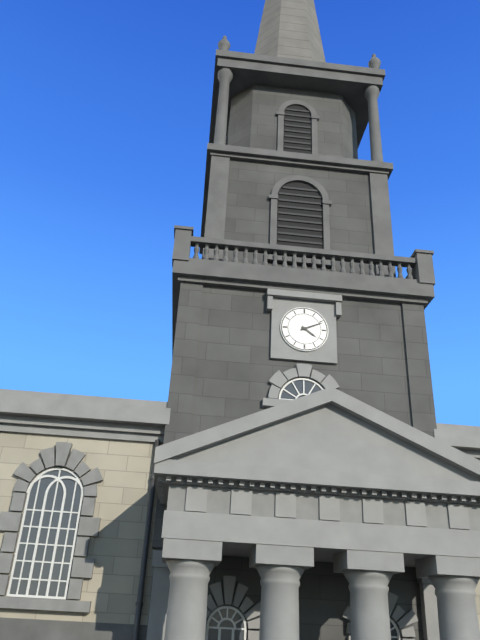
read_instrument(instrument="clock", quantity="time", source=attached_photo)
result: 4:11
